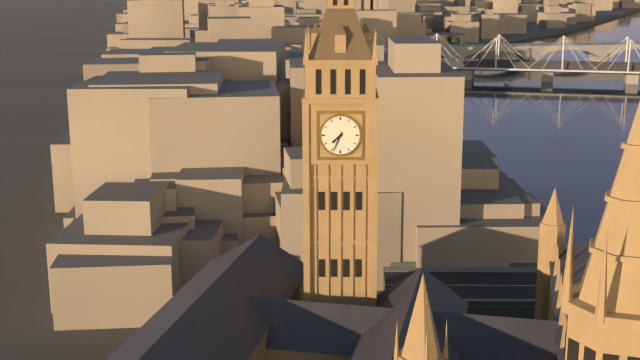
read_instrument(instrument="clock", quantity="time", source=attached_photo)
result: 7:34
